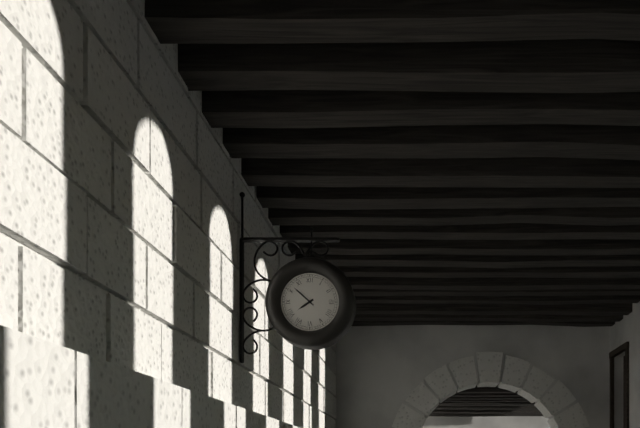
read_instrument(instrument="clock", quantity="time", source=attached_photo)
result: 7:52
